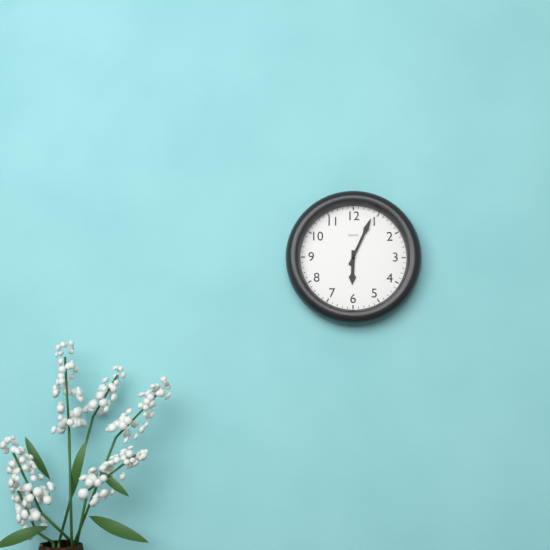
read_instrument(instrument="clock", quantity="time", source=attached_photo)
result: 6:04
